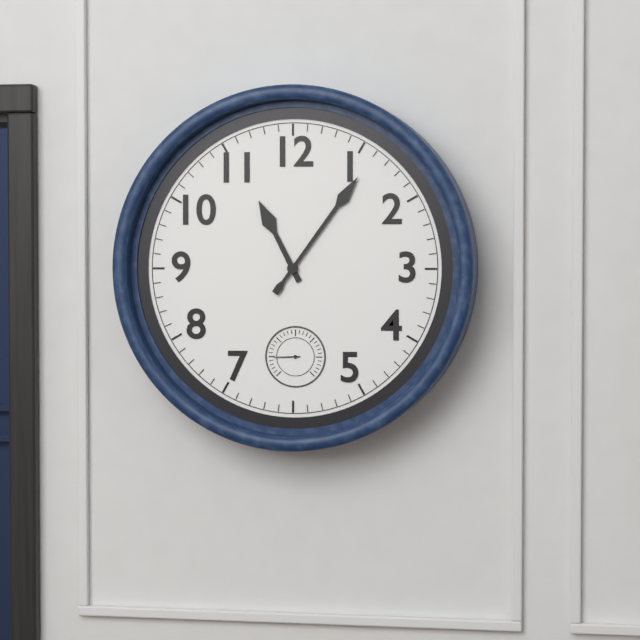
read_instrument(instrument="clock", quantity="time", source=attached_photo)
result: 11:06
